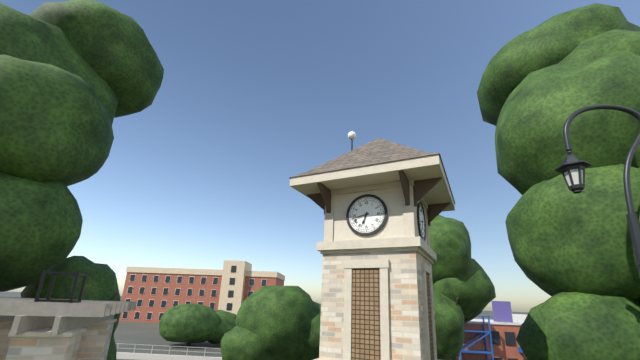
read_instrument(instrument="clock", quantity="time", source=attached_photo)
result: 6:43
